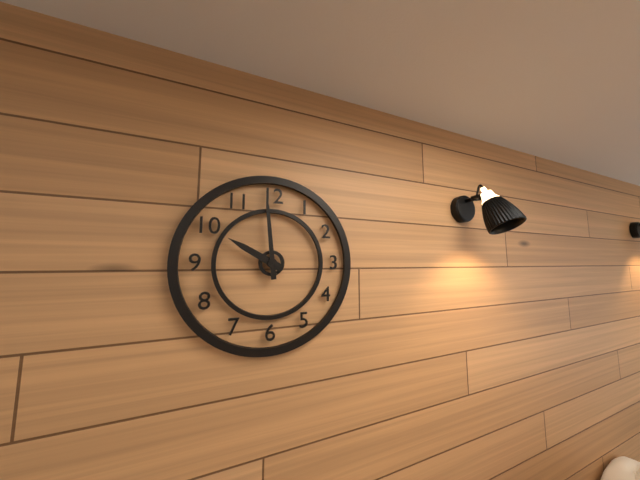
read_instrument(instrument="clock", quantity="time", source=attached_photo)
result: 9:59
